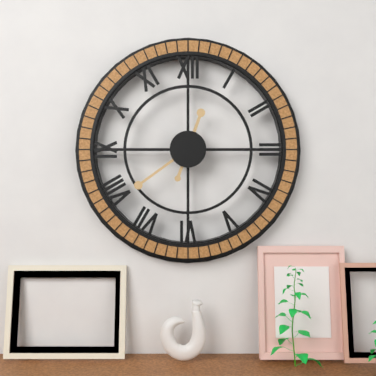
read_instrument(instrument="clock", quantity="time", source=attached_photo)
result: 12:39
